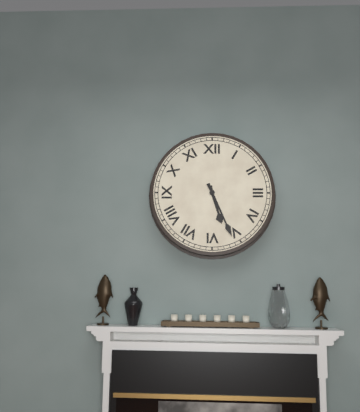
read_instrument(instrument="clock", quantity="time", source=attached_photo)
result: 5:26
